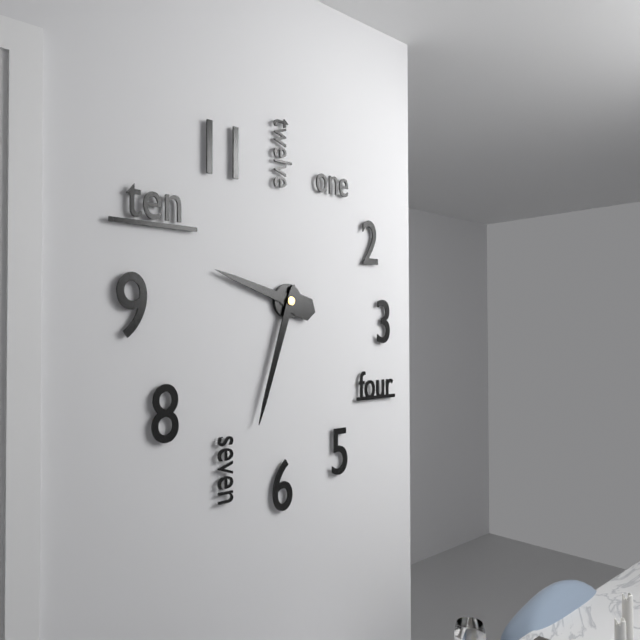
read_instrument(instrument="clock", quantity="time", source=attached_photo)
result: 9:33
